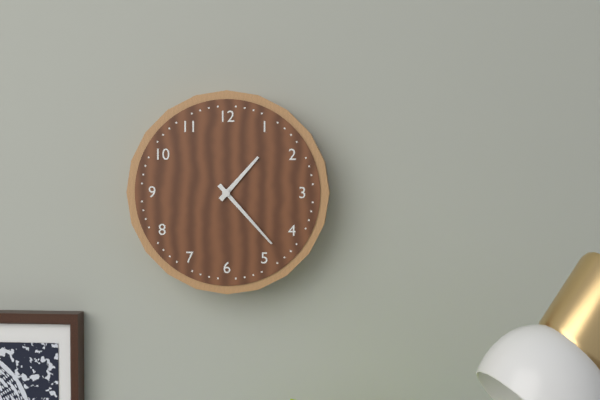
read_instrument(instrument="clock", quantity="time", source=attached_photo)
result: 1:23
